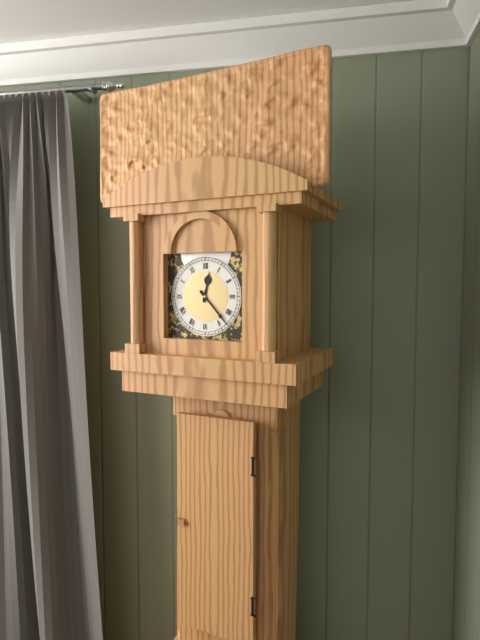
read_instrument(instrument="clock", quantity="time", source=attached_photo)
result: 12:23
